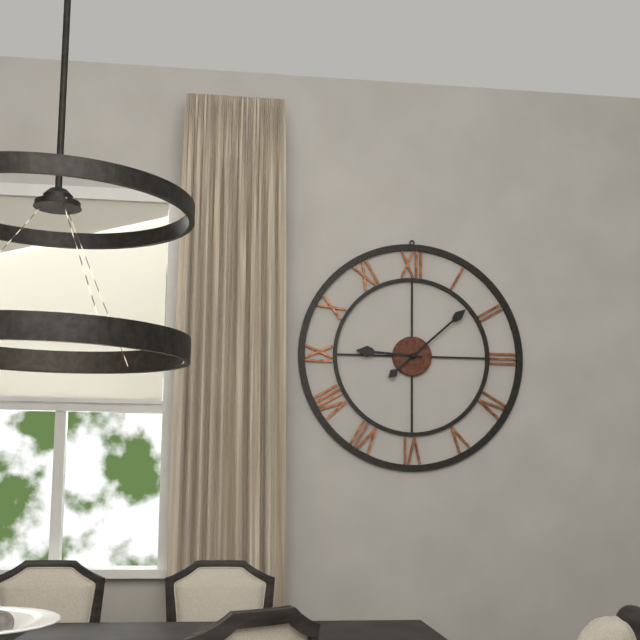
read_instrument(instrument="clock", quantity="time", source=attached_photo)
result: 9:08
